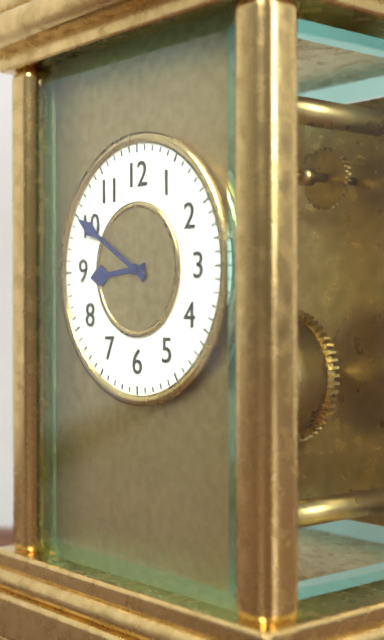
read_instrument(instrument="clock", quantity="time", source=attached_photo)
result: 8:50
